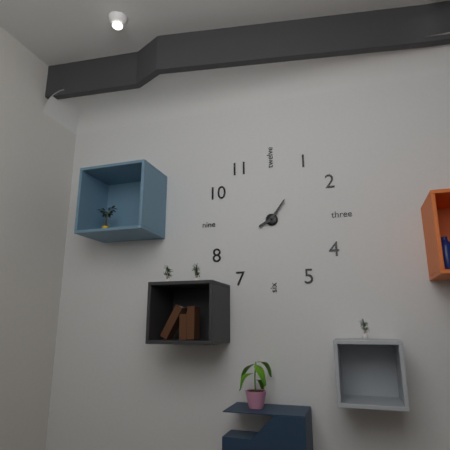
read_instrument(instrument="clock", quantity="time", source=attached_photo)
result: 8:06
